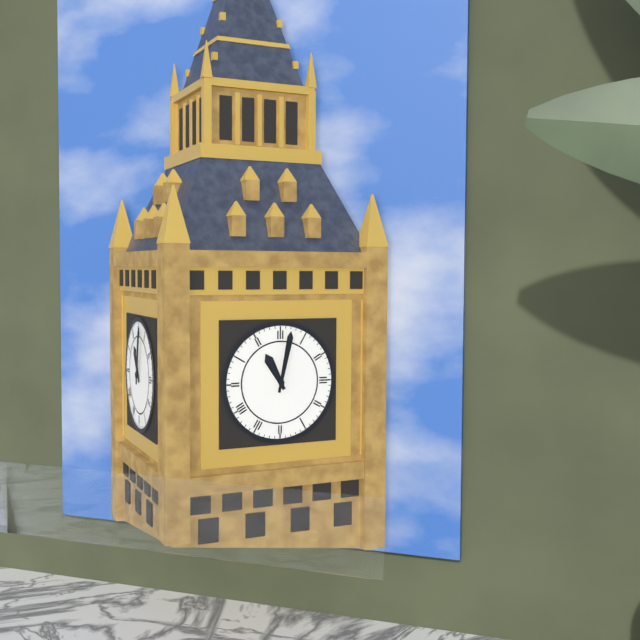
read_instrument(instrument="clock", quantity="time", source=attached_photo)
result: 11:02
